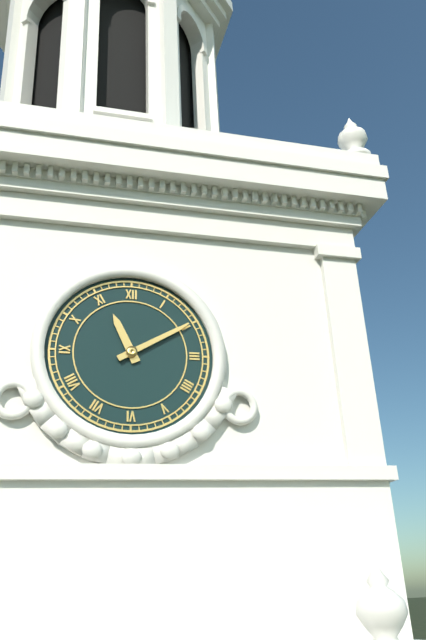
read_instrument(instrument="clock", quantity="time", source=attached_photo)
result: 11:10
